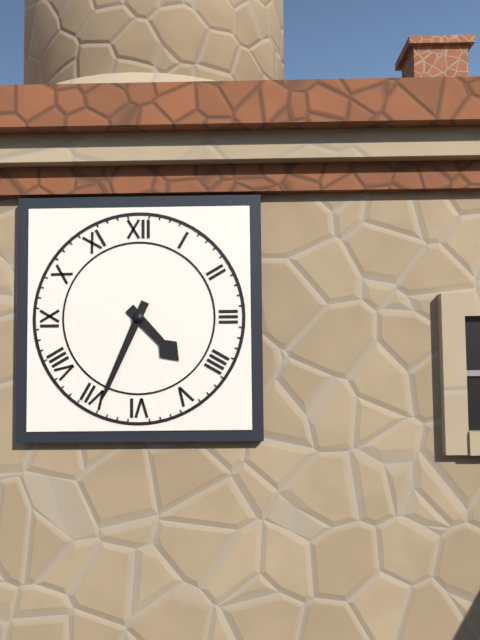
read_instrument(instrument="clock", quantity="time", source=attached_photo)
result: 4:34
